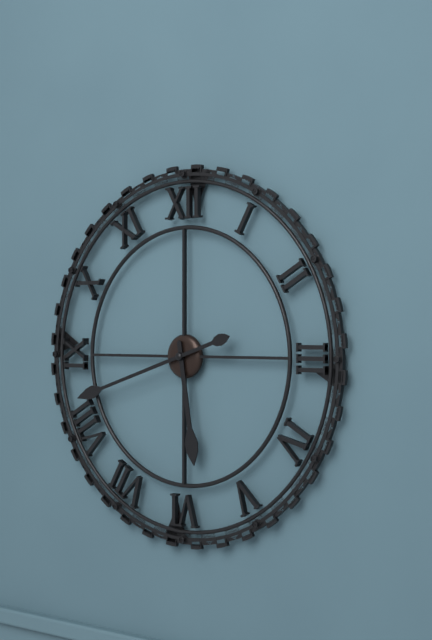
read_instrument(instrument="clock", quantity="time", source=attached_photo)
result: 5:42
